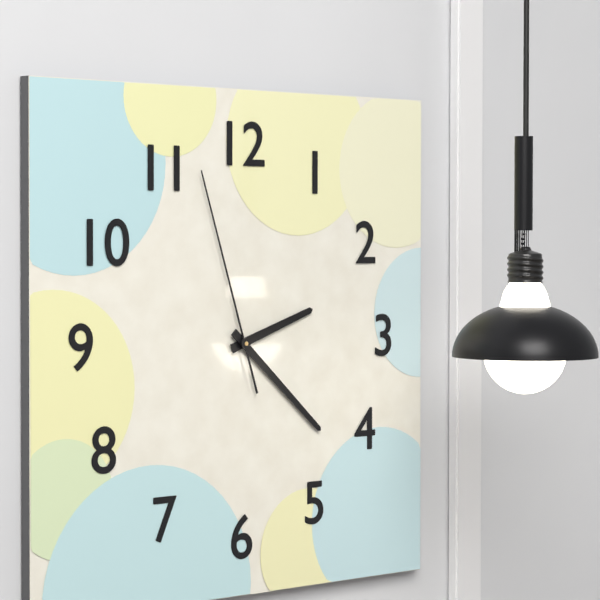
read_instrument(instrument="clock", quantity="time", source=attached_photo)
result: 2:22:57
